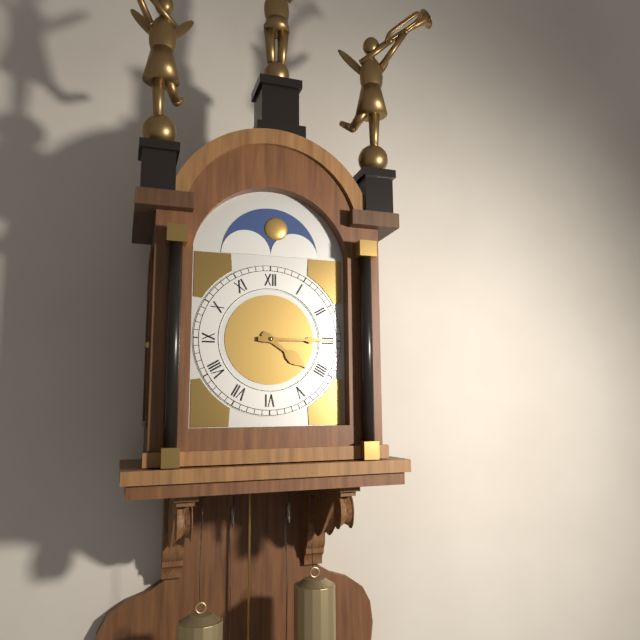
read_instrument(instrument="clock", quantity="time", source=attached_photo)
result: 4:15
